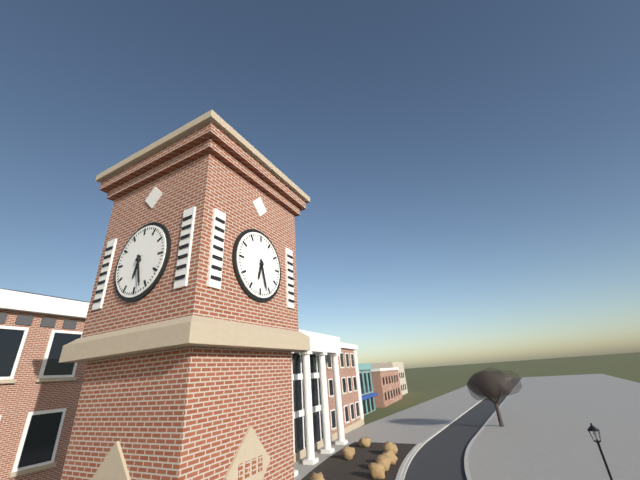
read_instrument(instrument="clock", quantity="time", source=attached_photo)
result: 6:27
